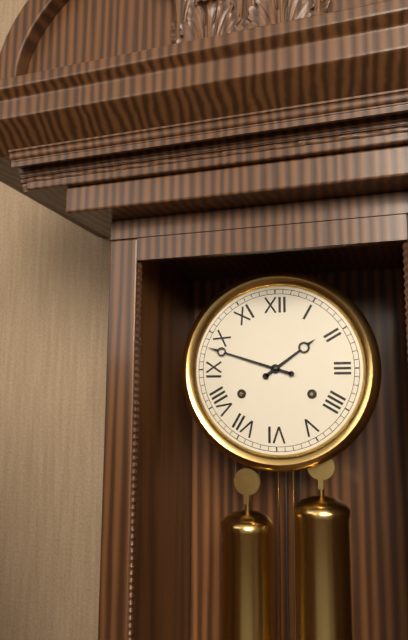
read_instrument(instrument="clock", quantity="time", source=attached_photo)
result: 1:48
